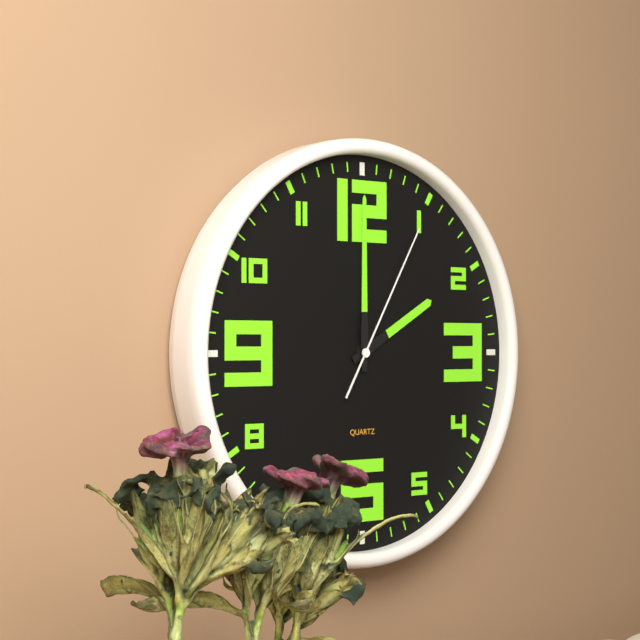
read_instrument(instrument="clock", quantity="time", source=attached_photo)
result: 2:00:05
